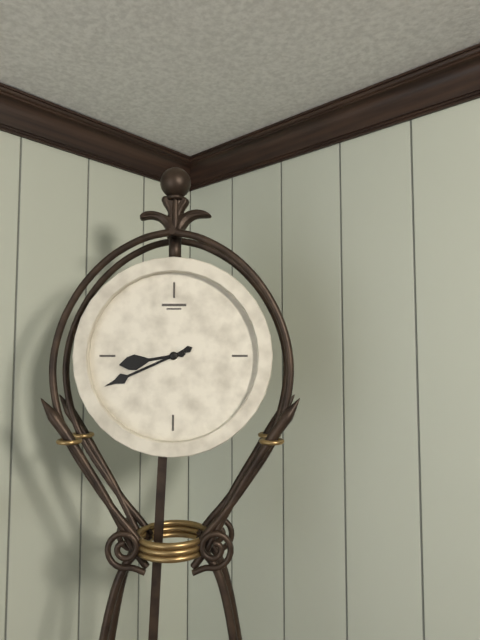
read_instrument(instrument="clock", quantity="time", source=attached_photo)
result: 8:41
